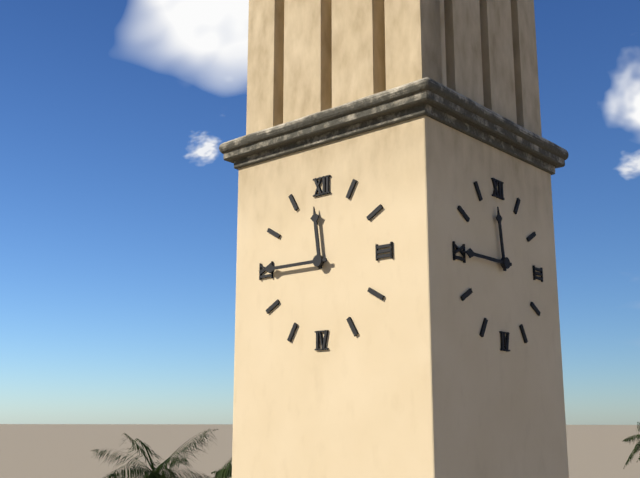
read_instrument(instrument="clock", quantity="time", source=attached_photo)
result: 11:45
